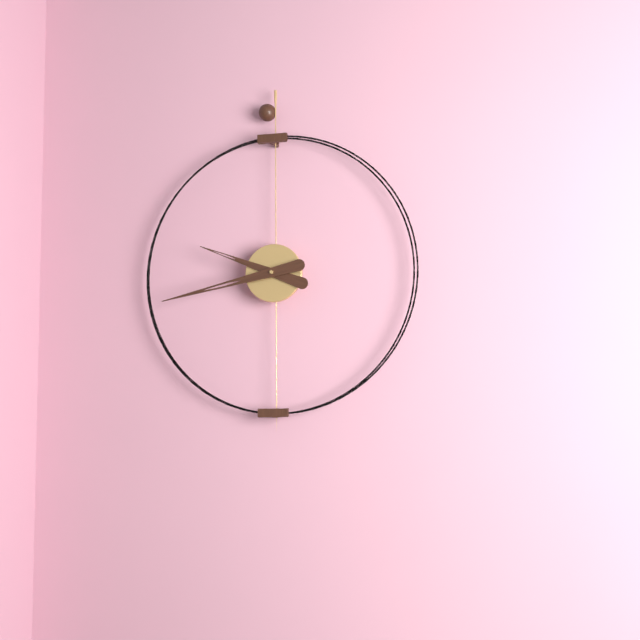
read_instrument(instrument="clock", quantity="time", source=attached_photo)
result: 9:43
